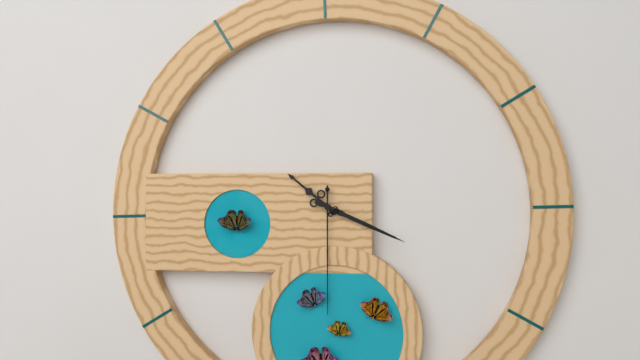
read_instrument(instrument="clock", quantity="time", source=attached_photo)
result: 10:19:30
